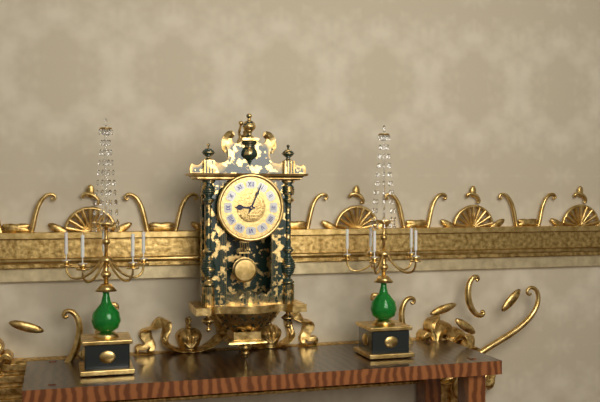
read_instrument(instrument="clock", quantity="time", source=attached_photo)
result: 9:04
